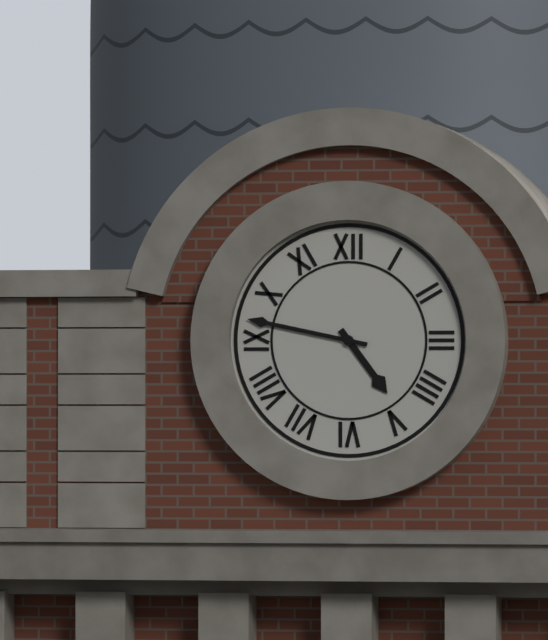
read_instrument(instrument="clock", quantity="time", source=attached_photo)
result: 4:47
